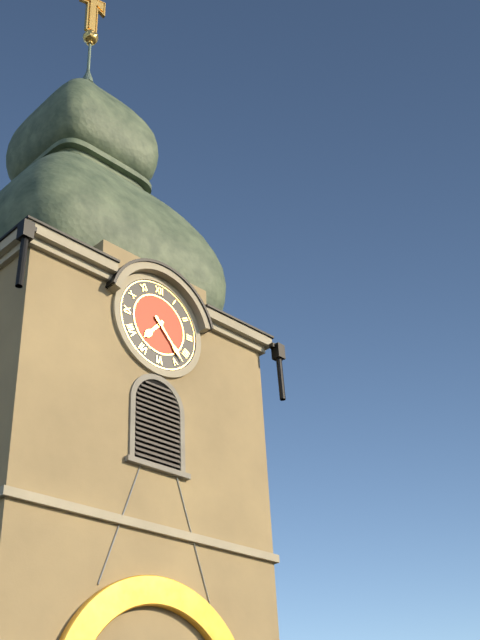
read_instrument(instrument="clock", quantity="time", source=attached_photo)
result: 7:23
